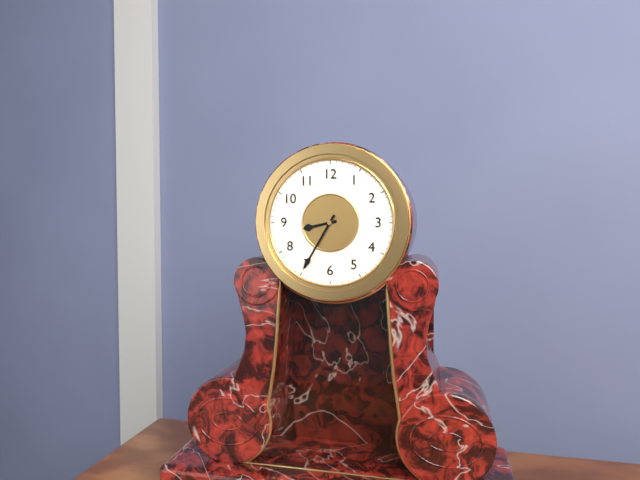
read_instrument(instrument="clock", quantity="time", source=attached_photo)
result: 8:35
